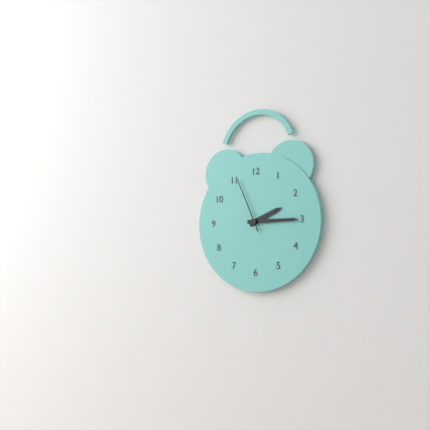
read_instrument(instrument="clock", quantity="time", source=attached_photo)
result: 2:15:56
